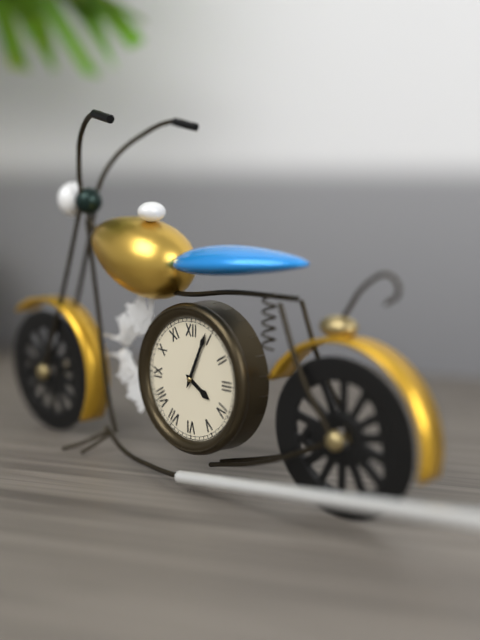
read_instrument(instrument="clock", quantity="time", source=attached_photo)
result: 4:04
